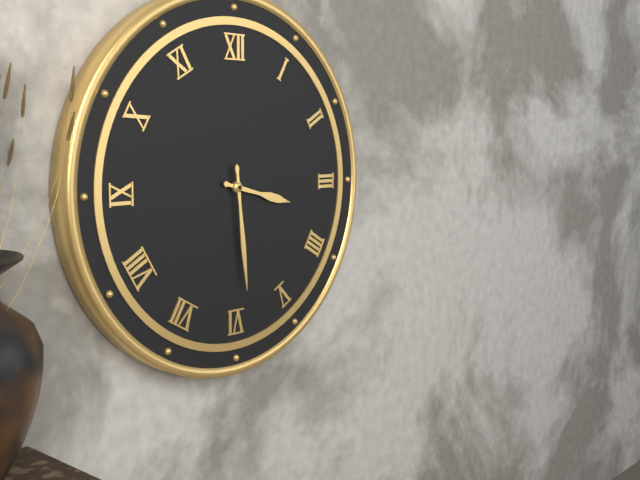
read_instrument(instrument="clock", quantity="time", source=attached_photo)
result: 3:29
